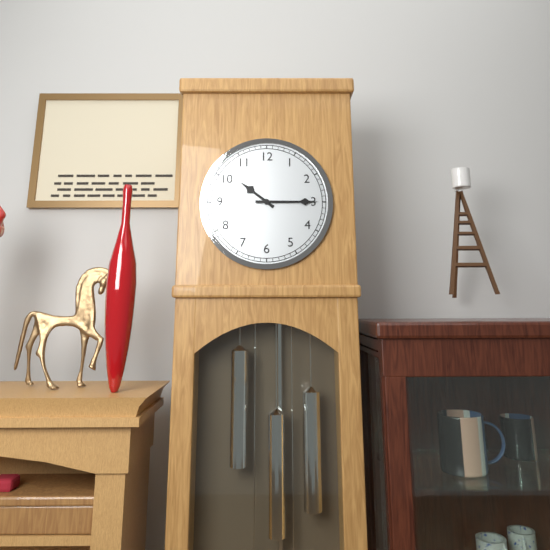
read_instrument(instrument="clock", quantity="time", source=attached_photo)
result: 10:15
